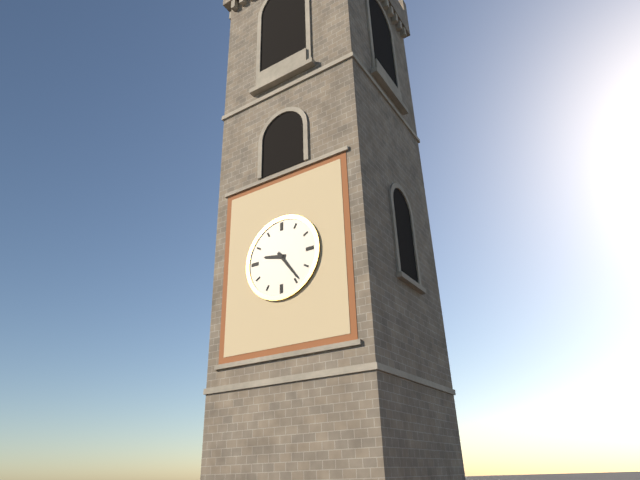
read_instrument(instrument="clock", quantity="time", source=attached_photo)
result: 9:24
